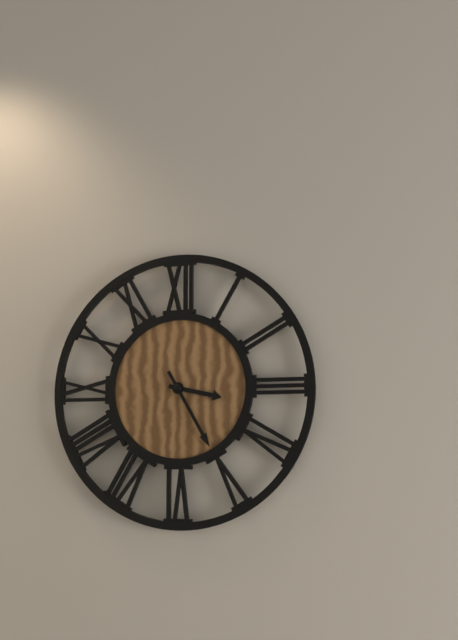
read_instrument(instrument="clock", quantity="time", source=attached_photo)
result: 3:25
